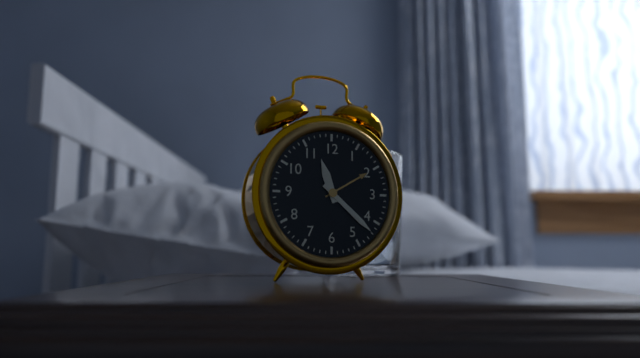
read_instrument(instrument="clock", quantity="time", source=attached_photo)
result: 11:22
